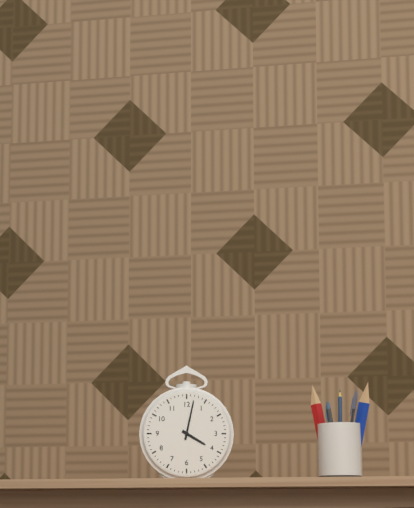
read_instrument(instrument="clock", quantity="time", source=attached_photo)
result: 4:02
